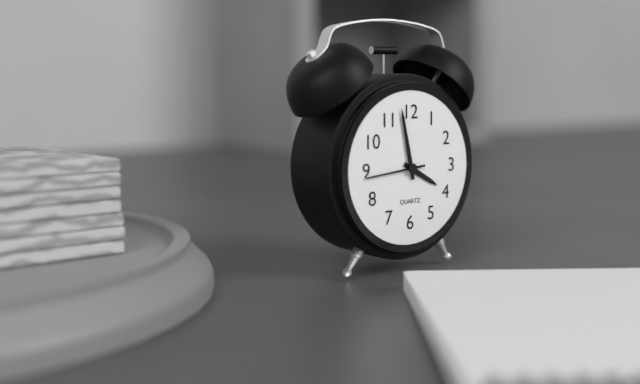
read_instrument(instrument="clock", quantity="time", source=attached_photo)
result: 3:58:44
